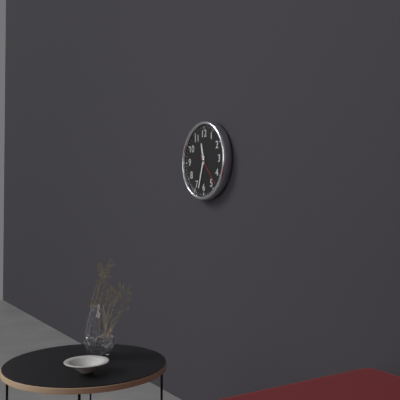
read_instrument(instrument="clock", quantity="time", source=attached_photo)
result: 11:33
